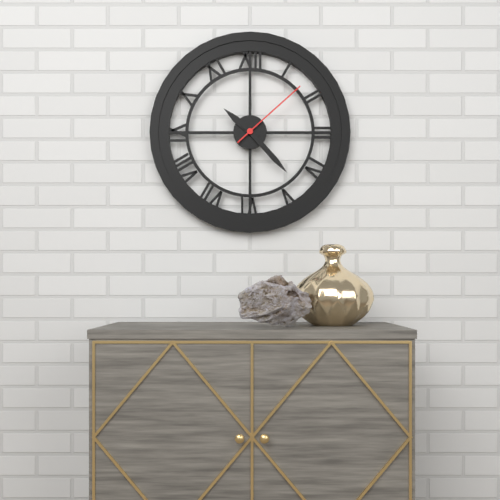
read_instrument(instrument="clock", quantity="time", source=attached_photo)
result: 10:23:08
